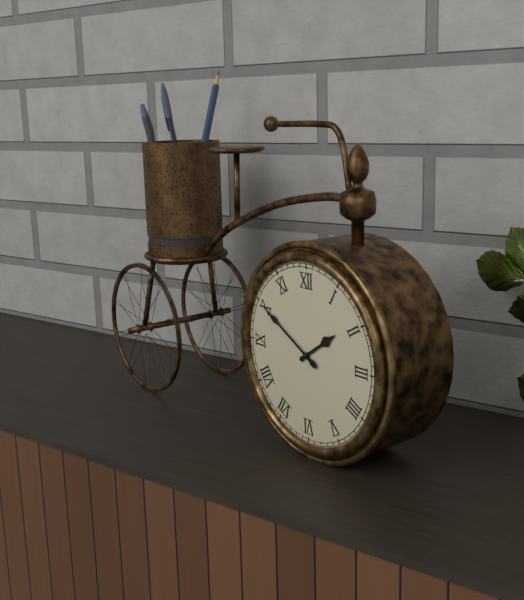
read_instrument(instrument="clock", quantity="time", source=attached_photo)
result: 1:50
